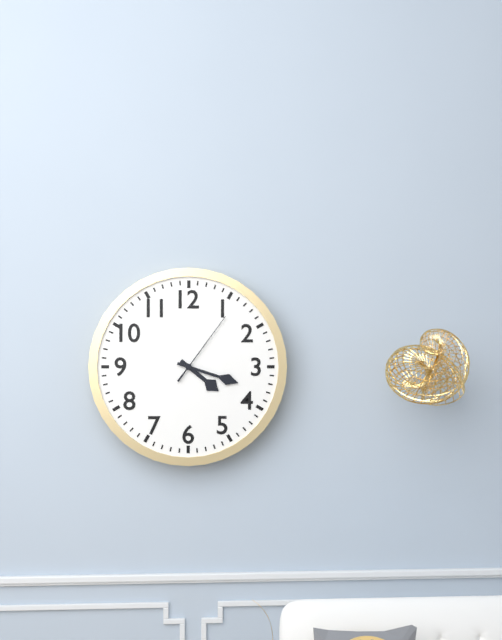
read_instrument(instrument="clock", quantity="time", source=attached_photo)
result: 4:18:06
